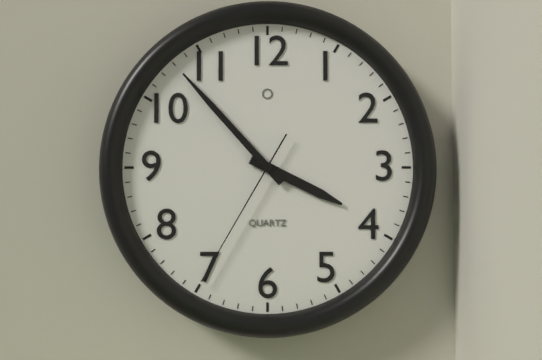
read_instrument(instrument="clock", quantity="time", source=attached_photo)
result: 3:53:35
